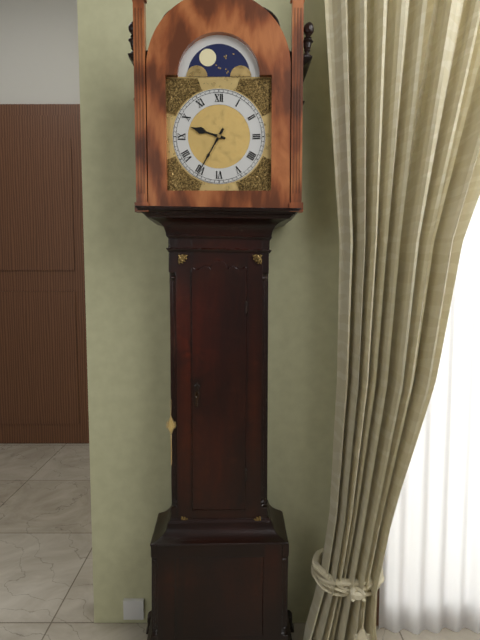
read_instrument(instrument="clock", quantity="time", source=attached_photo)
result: 9:35
